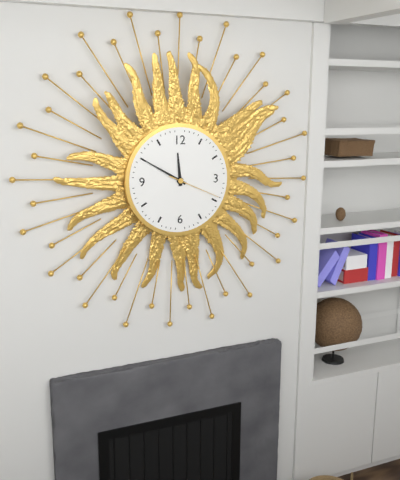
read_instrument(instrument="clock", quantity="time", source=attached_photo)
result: 11:50:19
